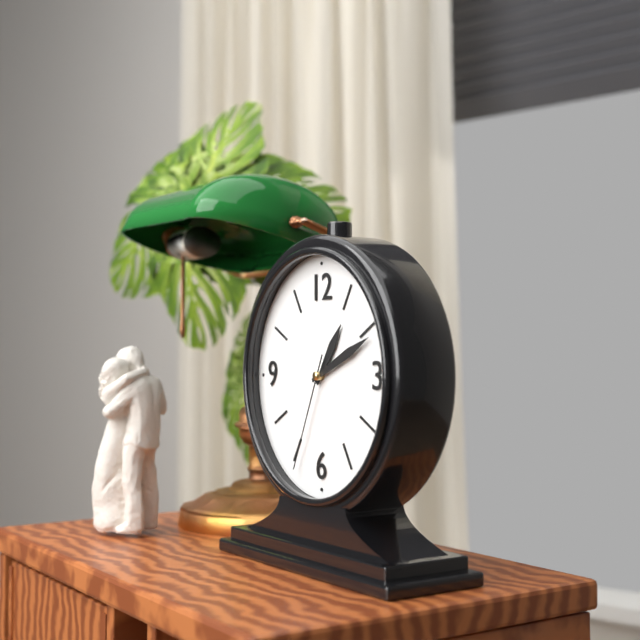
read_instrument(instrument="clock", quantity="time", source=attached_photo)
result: 1:11:34
